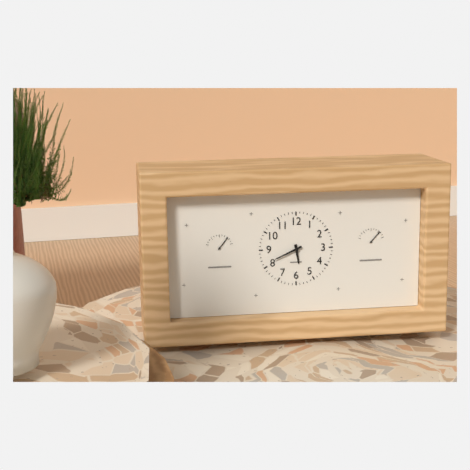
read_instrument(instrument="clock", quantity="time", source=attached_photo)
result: 5:41
